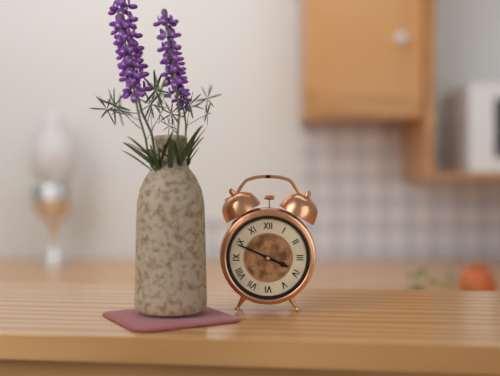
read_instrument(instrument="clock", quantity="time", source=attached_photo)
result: 3:49
